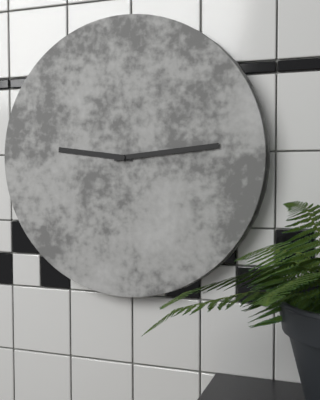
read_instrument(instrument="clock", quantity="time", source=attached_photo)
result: 9:14
